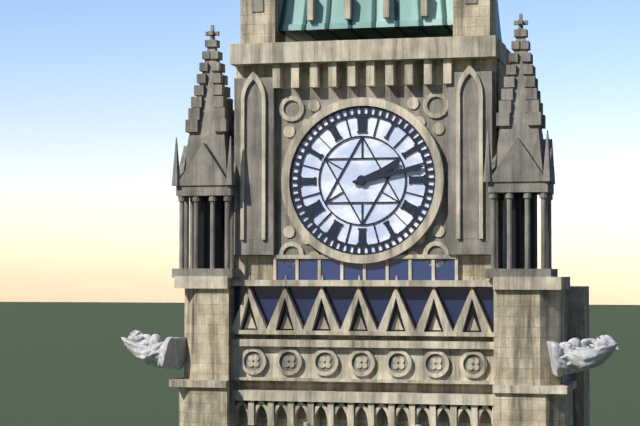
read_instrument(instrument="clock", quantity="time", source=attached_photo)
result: 2:13
